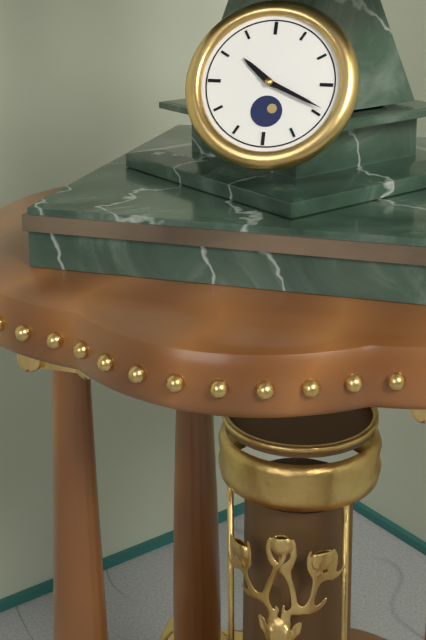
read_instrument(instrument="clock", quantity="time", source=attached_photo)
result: 10:19
